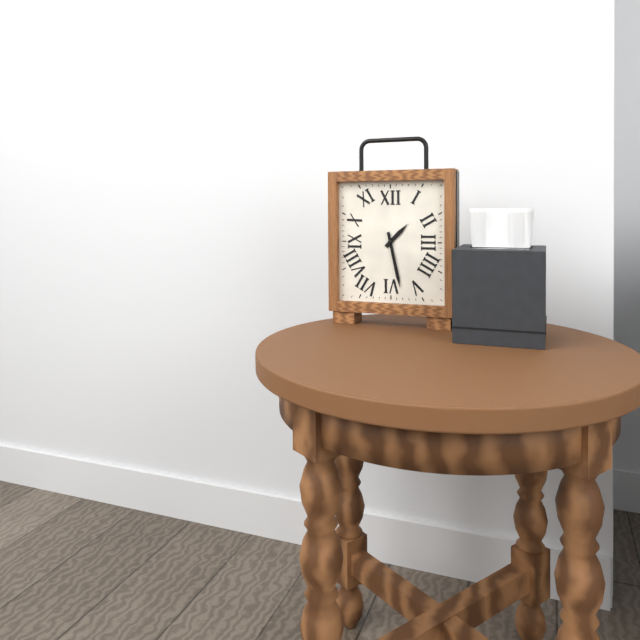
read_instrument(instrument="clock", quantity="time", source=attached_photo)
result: 1:28
